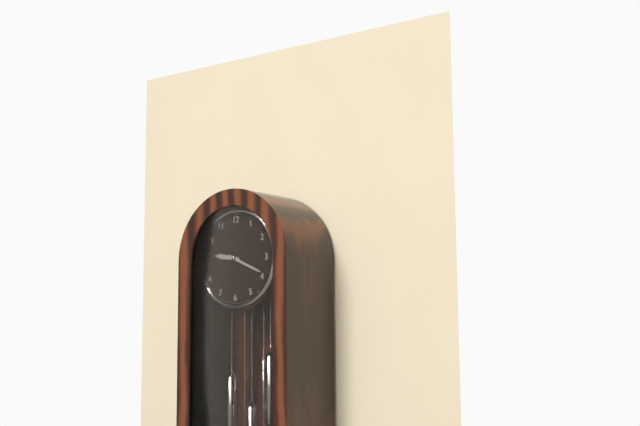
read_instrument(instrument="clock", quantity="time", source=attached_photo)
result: 9:19
